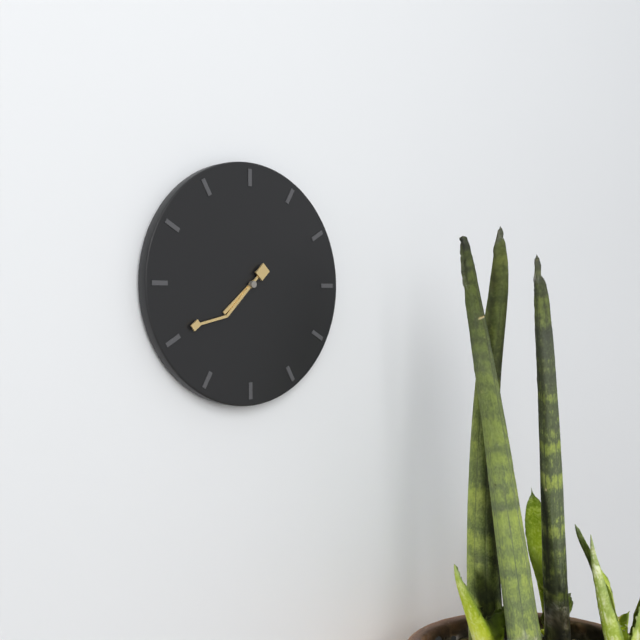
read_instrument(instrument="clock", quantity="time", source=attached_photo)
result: 7:40
